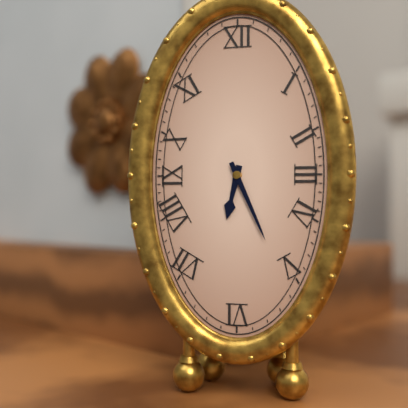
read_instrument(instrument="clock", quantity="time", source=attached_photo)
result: 6:26
